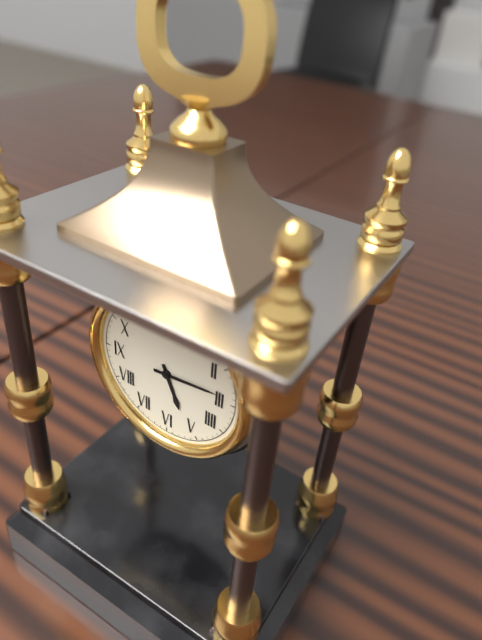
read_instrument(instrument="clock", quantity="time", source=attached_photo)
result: 5:14
